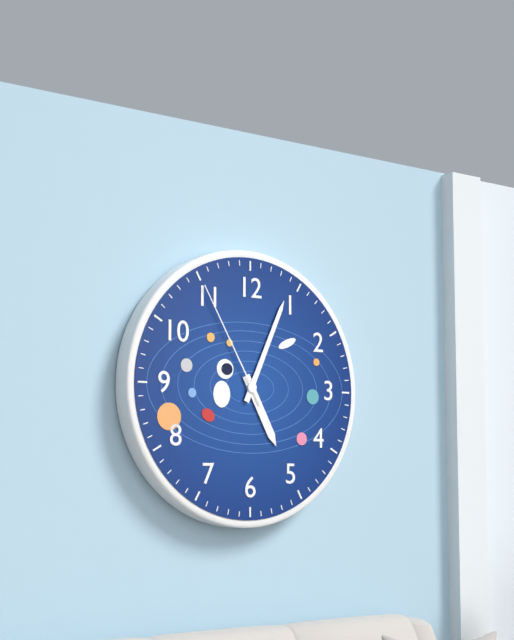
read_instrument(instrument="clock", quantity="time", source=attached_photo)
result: 5:04:55
